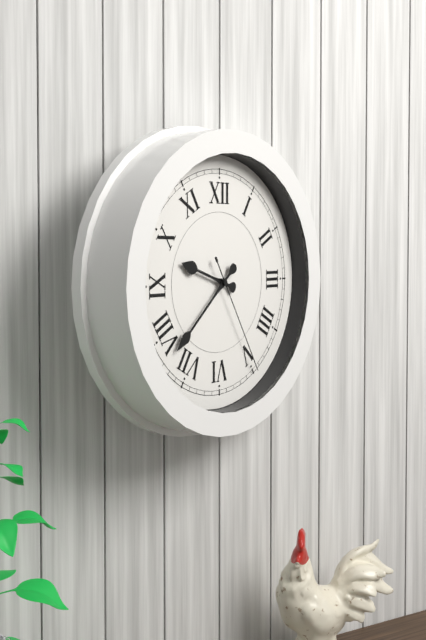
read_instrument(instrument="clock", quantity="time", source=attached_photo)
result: 9:38:25
